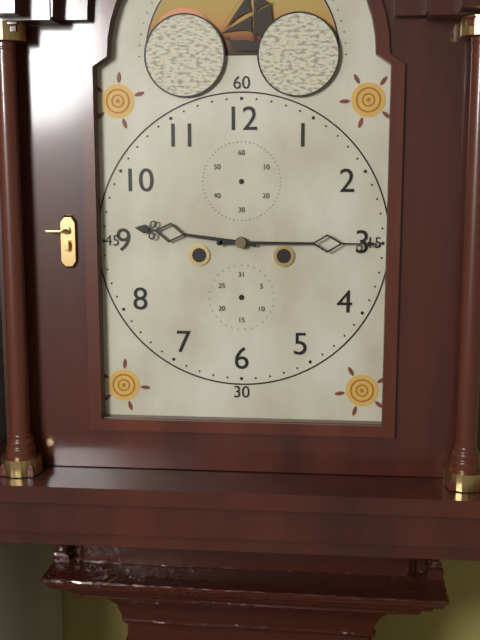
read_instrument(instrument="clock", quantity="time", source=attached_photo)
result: 9:15
